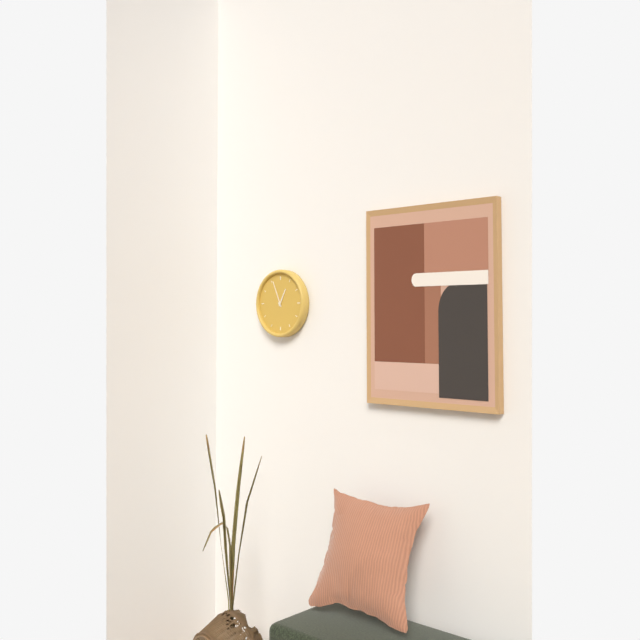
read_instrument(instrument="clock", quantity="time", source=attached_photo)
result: 12:56
